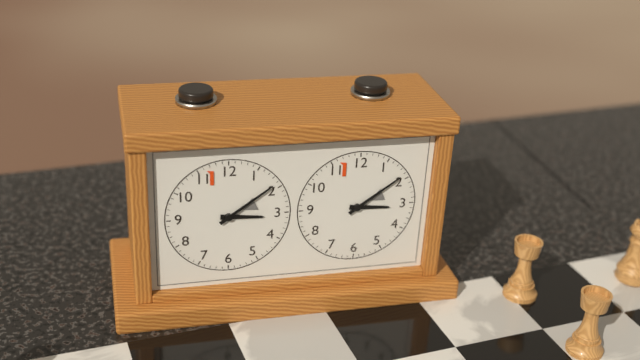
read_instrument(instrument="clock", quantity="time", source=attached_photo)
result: 3:09
